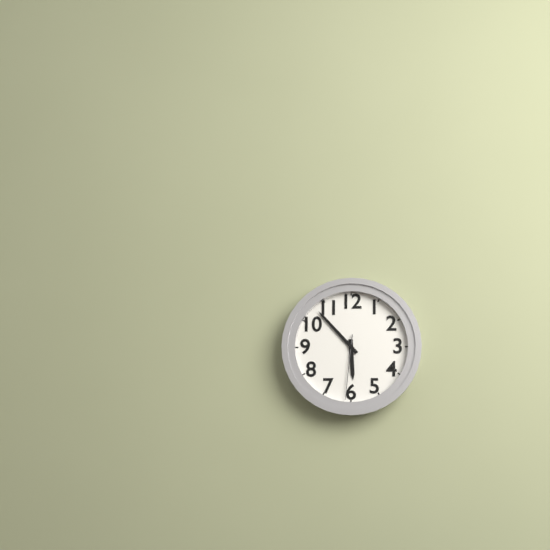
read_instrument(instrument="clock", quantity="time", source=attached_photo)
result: 5:53:31
